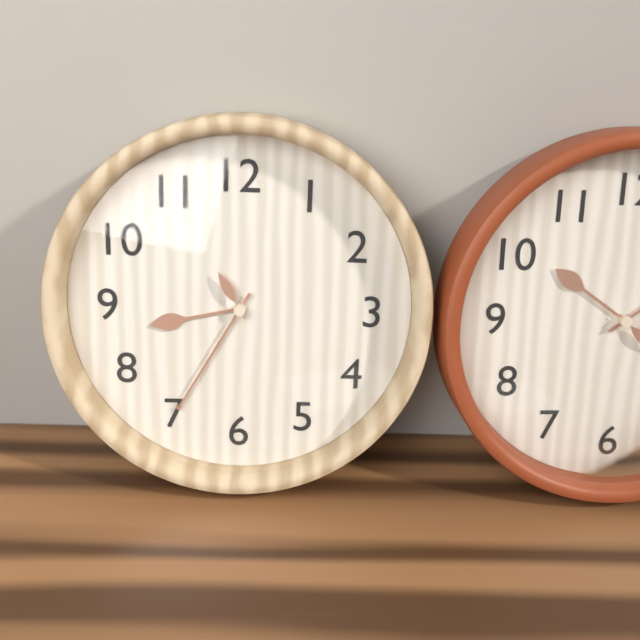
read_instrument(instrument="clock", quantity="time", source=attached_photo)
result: 8:35:55
